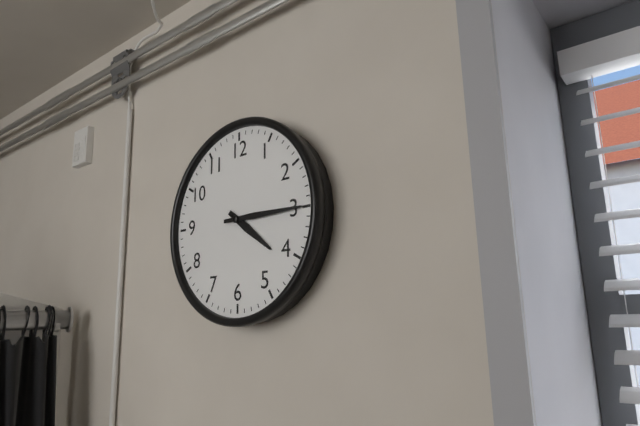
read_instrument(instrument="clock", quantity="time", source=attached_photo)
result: 4:15
